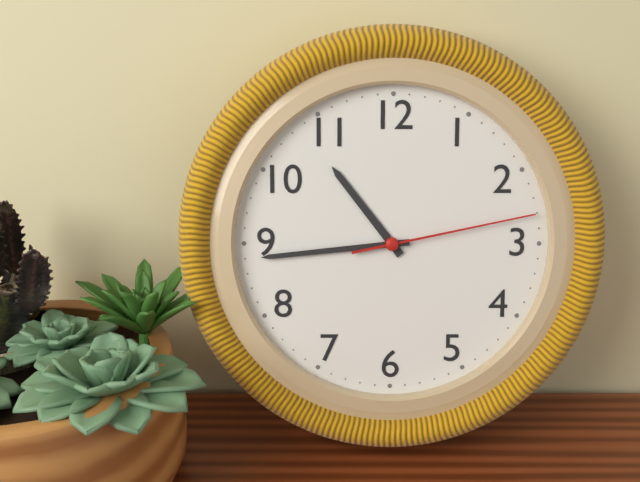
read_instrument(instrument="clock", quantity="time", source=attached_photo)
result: 10:44:13
